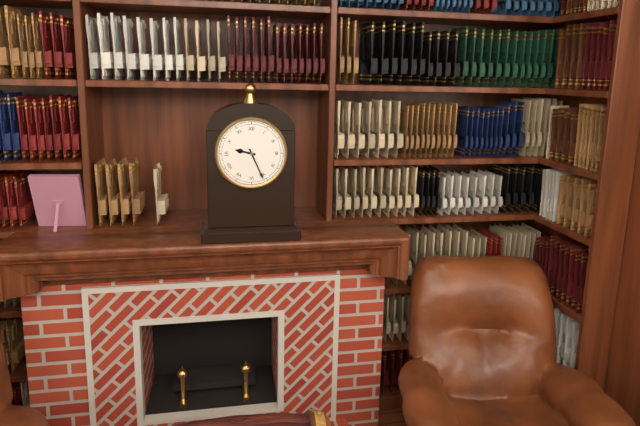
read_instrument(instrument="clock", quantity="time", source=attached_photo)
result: 9:26
